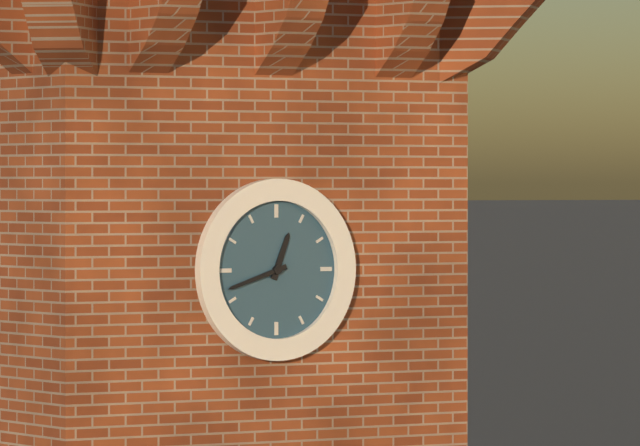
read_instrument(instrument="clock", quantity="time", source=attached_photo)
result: 12:42
